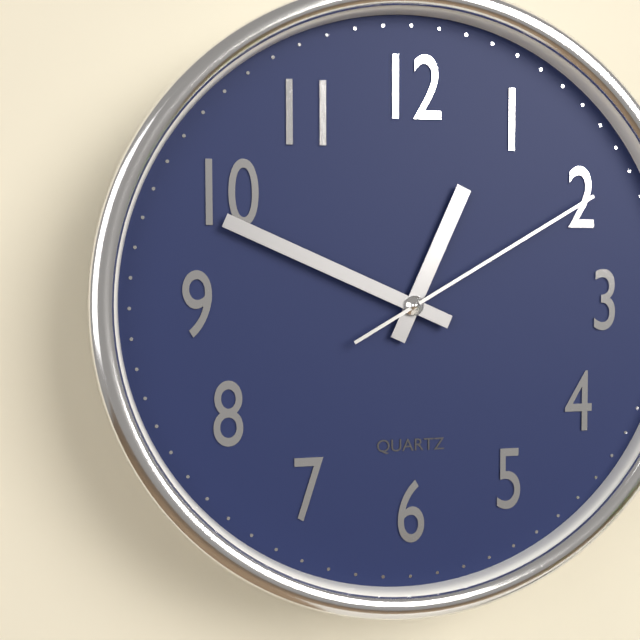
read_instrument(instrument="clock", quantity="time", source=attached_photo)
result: 12:49:10
